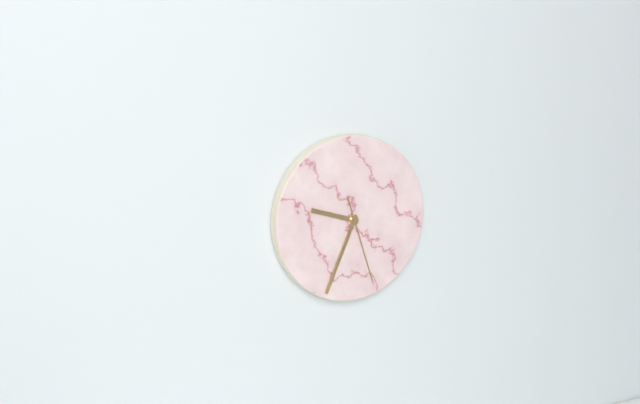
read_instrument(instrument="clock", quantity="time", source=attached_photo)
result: 9:34:27
